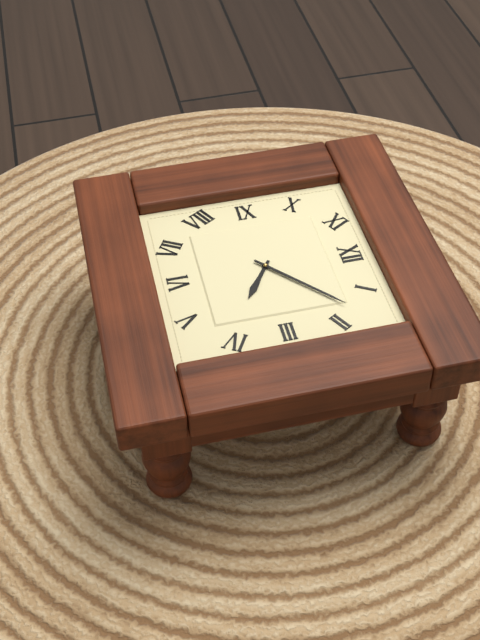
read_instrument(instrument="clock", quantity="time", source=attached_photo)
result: 4:08
